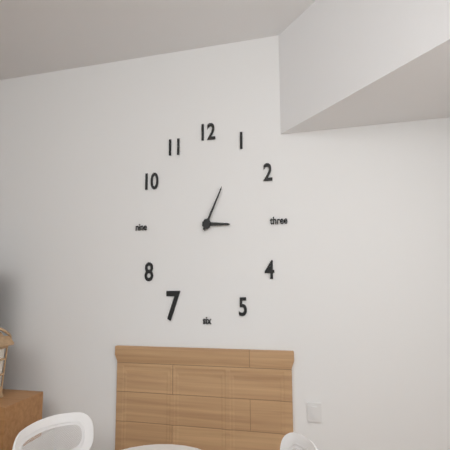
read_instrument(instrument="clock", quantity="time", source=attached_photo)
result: 3:05
